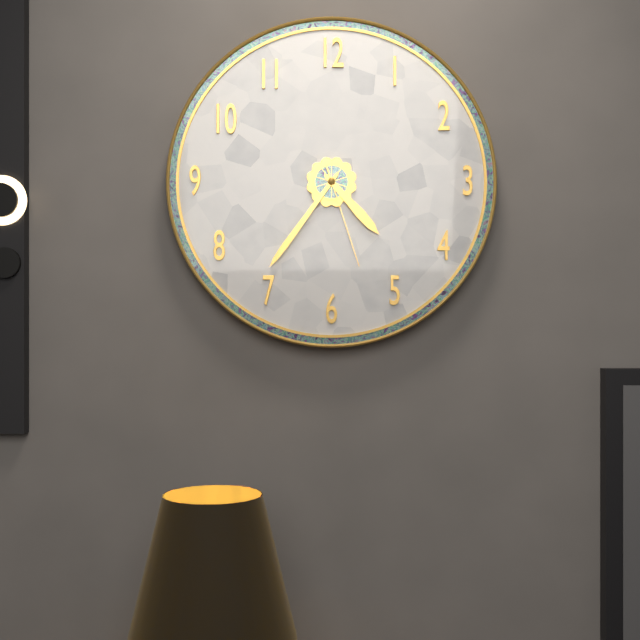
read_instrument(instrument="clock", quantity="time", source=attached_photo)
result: 4:36:27
